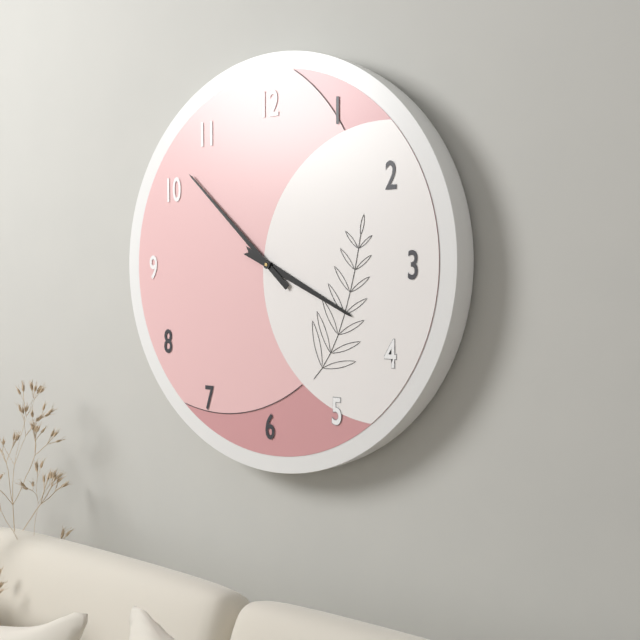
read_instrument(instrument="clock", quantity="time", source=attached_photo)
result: 3:52
